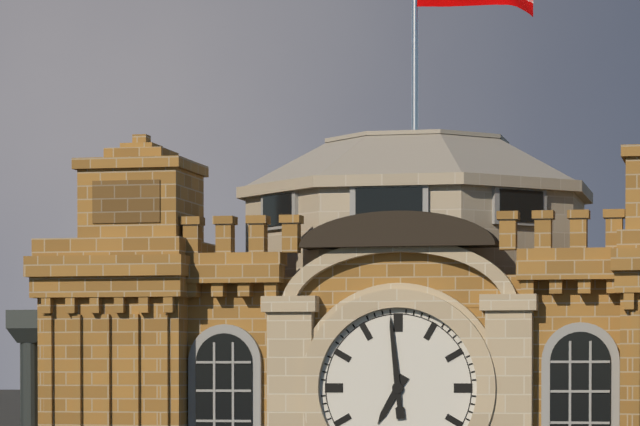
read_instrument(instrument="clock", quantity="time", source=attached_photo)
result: 6:59
